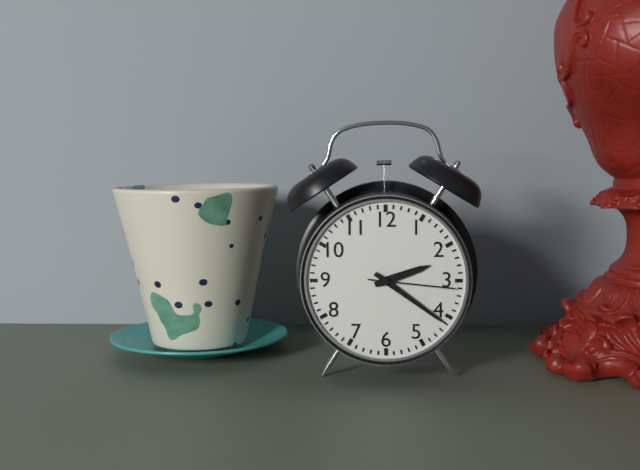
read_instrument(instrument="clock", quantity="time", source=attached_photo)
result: 2:21:16
